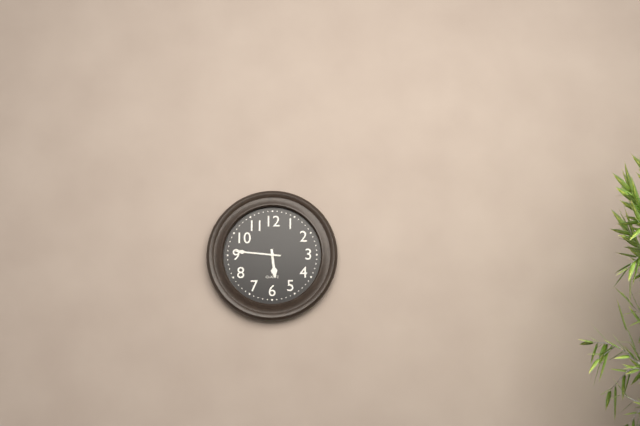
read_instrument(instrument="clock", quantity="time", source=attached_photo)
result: 5:46
